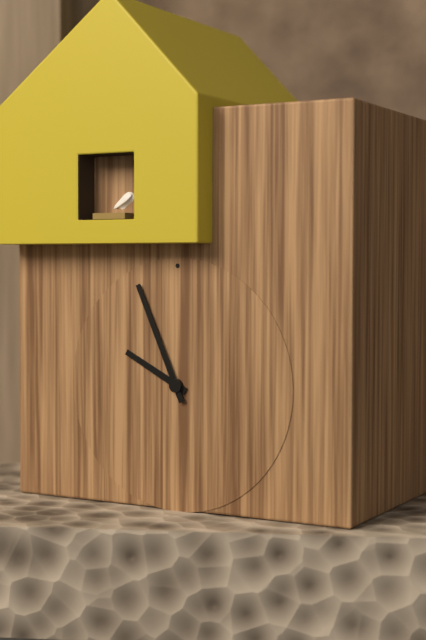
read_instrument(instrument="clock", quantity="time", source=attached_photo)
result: 9:56
